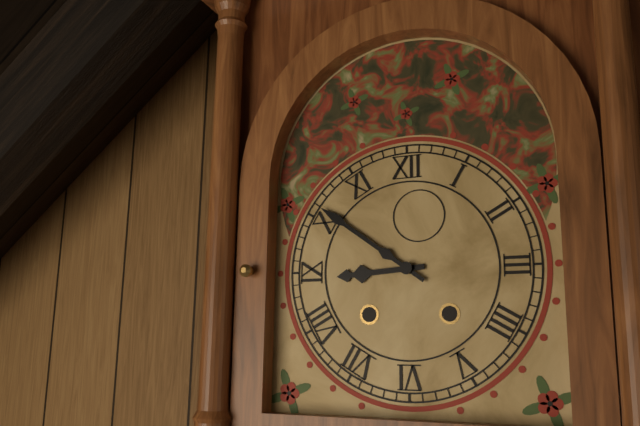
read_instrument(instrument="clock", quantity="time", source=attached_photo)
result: 8:51
